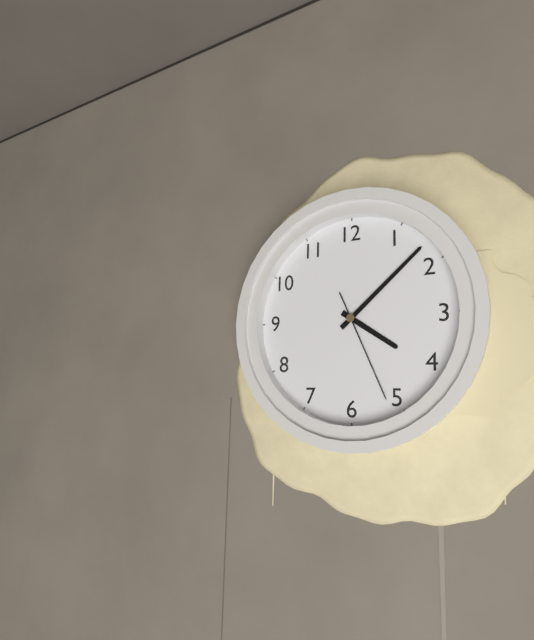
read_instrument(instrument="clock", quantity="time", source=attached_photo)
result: 4:08:26
